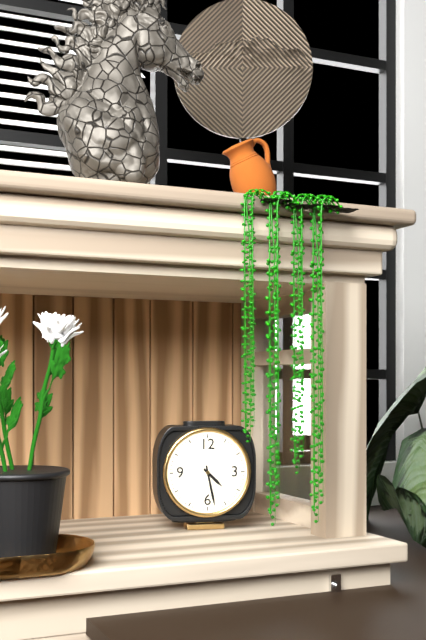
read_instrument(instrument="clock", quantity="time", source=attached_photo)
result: 4:28
